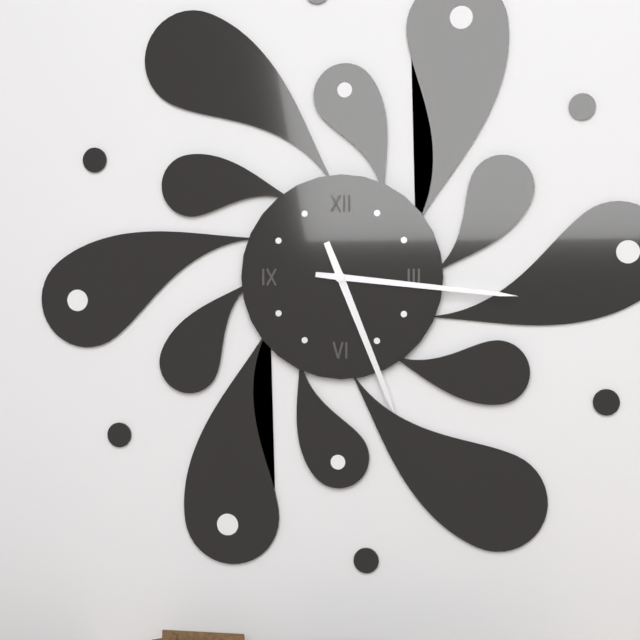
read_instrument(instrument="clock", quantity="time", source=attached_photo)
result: 5:16
